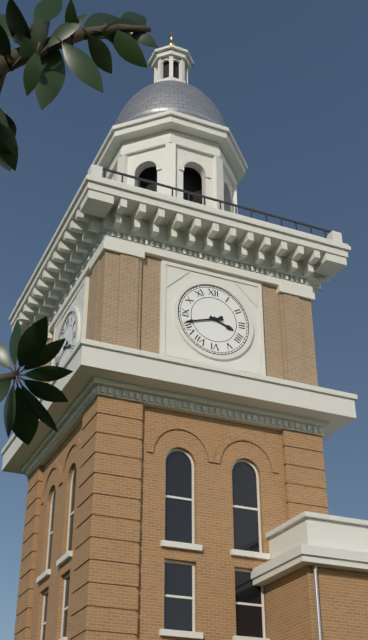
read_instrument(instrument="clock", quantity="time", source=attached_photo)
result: 3:42
